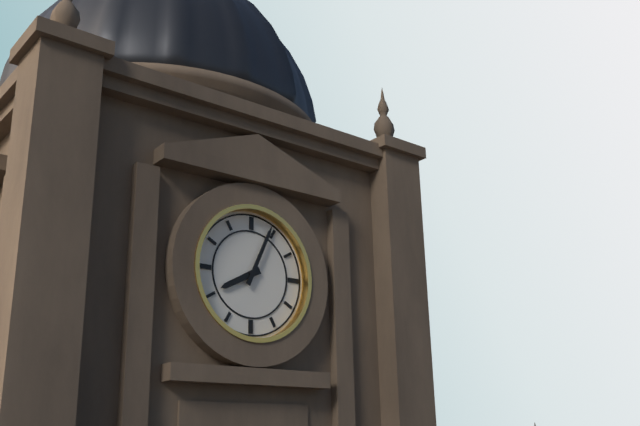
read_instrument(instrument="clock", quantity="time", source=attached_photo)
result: 8:04
